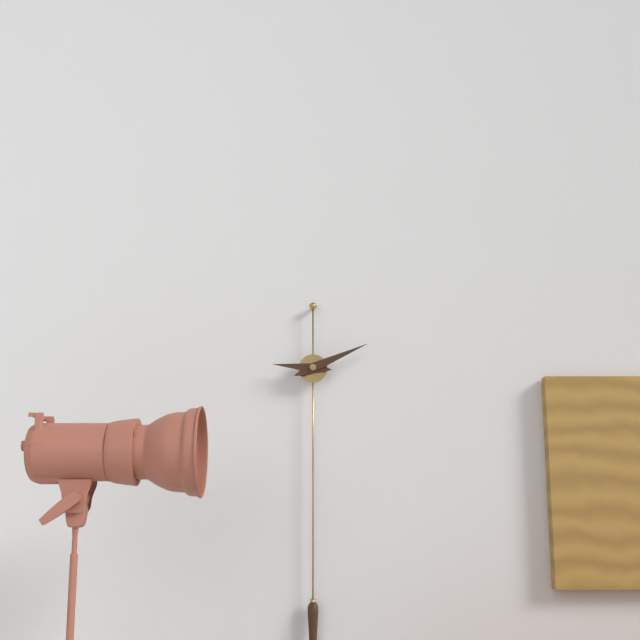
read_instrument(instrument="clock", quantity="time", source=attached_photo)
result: 9:11
